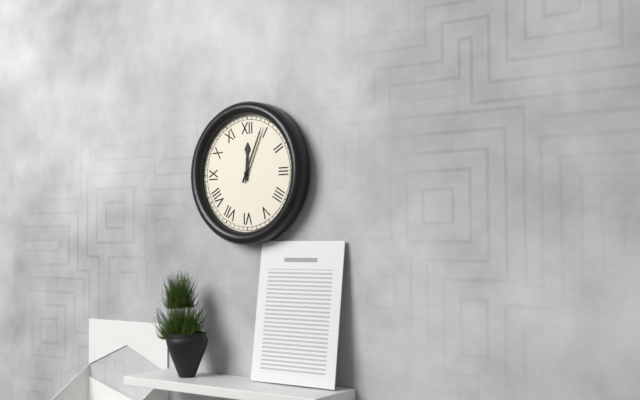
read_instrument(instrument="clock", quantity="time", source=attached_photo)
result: 12:04
